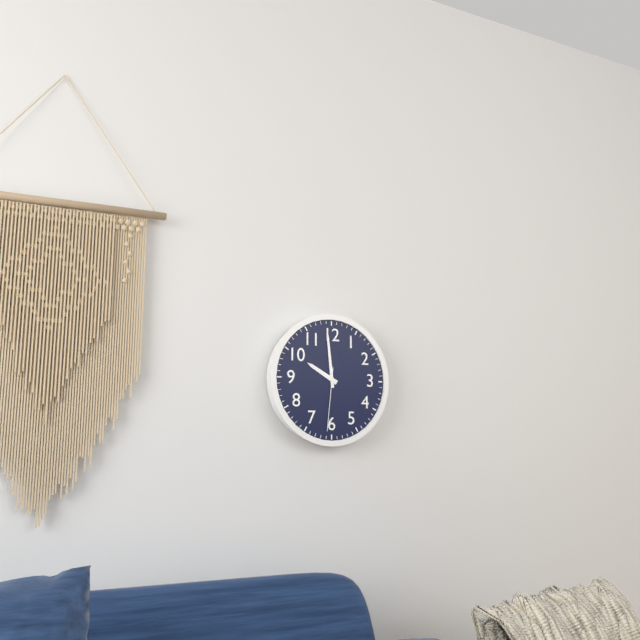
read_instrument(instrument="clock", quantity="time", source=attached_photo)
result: 9:59:31
